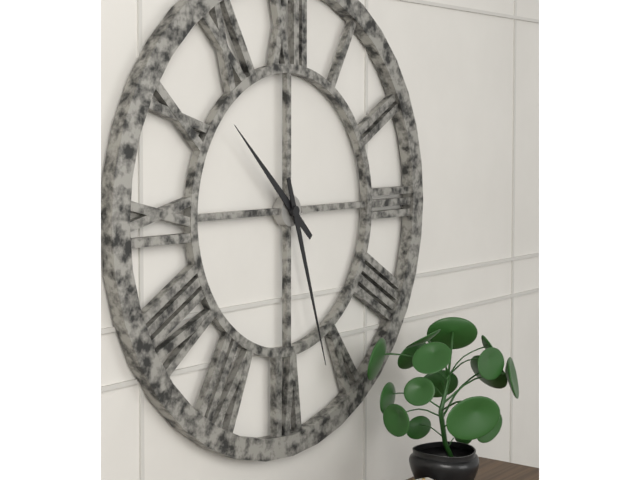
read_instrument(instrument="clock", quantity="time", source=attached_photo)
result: 10:27
